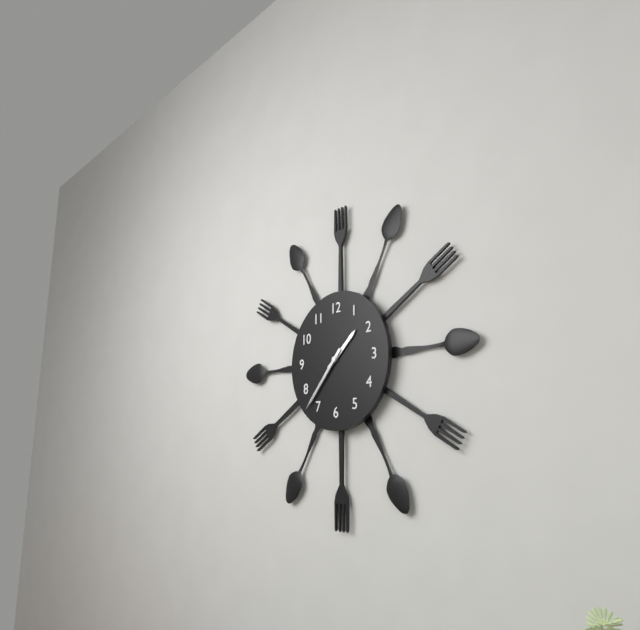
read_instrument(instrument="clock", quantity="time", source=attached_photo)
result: 1:37
